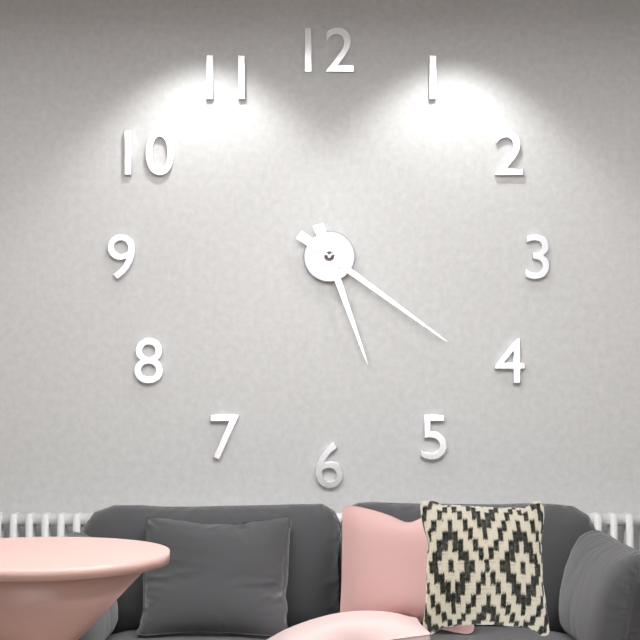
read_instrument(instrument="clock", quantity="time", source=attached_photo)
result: 5:21
